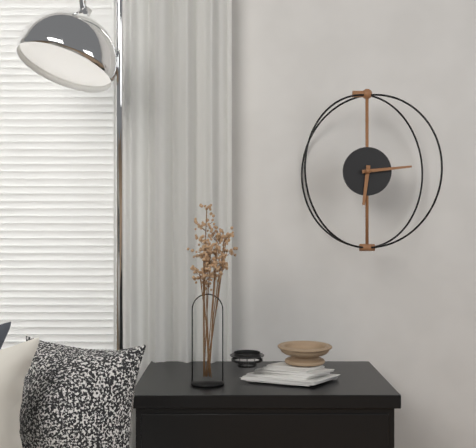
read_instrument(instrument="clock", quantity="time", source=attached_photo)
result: 6:14
